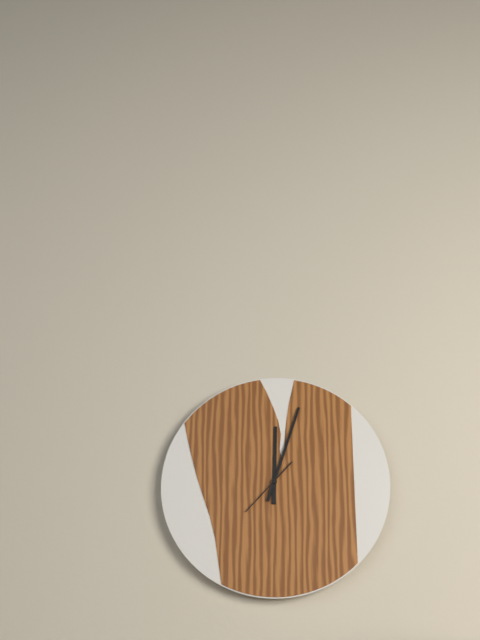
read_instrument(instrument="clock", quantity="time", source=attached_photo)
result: 12:03
